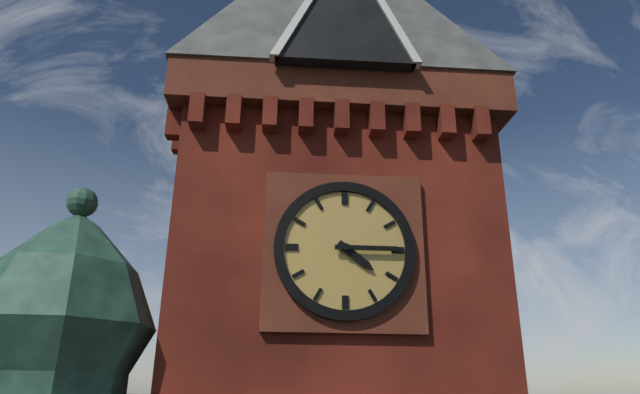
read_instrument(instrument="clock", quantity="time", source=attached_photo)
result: 4:15
